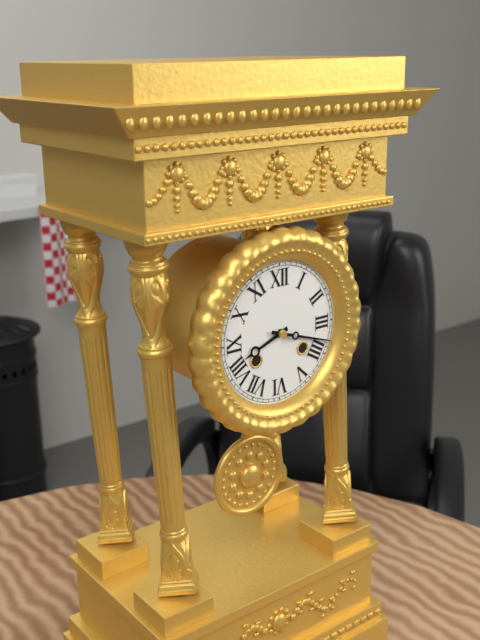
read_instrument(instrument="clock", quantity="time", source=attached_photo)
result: 8:18
